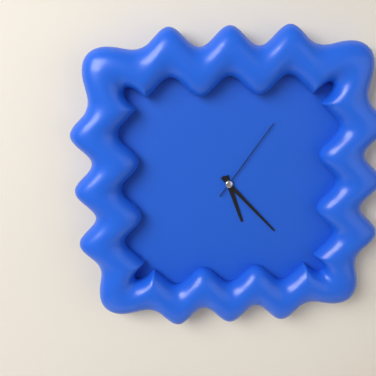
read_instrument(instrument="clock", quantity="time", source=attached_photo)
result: 5:23:06
